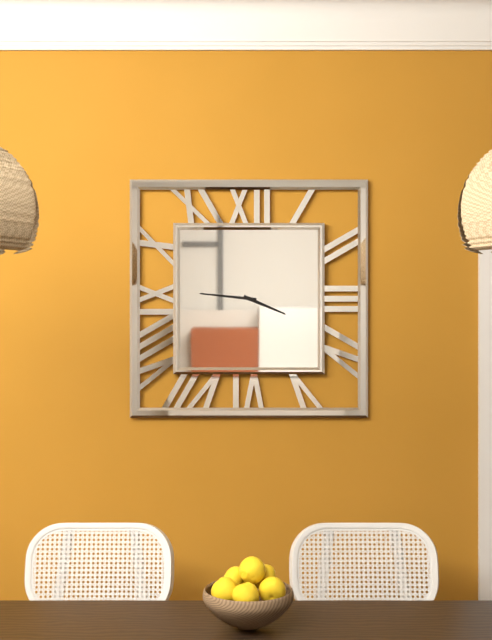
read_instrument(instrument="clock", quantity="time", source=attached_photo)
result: 3:46
